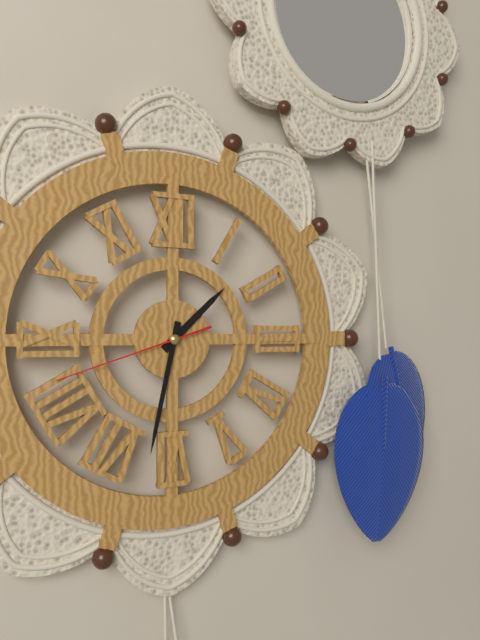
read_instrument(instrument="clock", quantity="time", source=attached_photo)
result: 1:32:42
